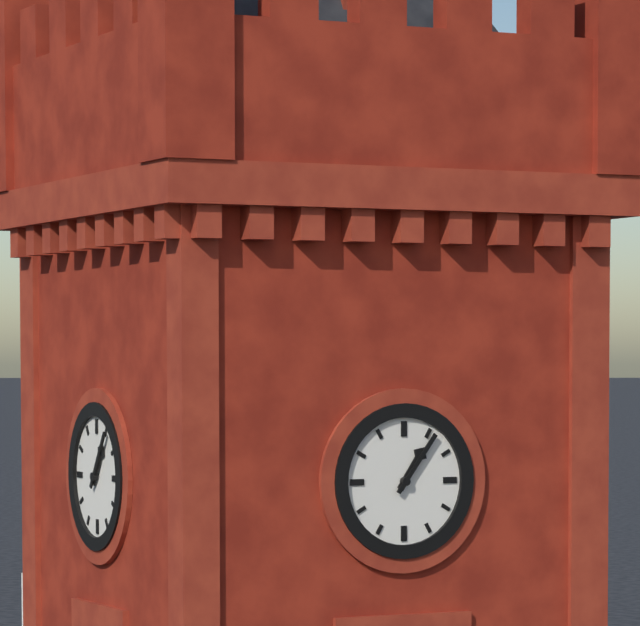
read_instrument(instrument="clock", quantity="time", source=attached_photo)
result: 1:06
